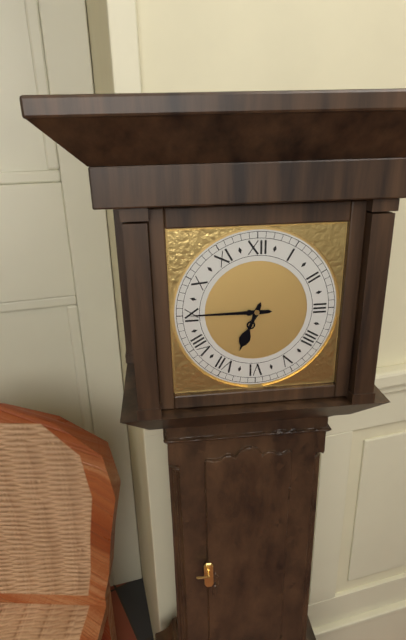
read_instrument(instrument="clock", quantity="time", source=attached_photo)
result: 6:45
